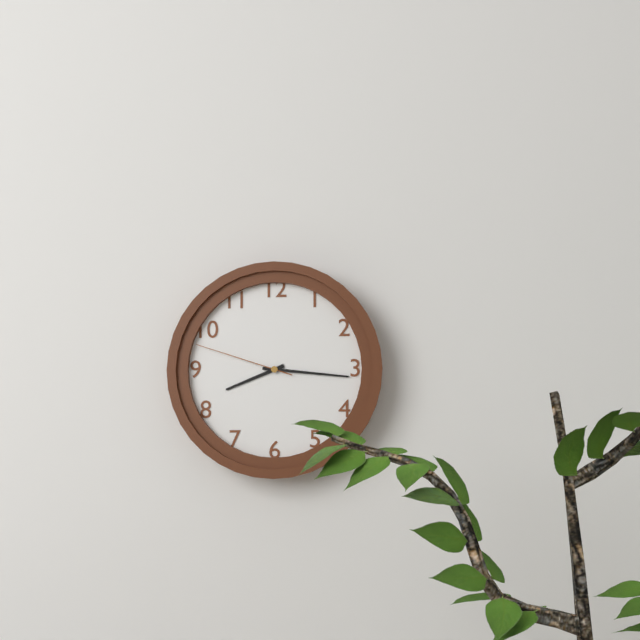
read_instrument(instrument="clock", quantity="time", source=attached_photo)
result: 8:16:48
